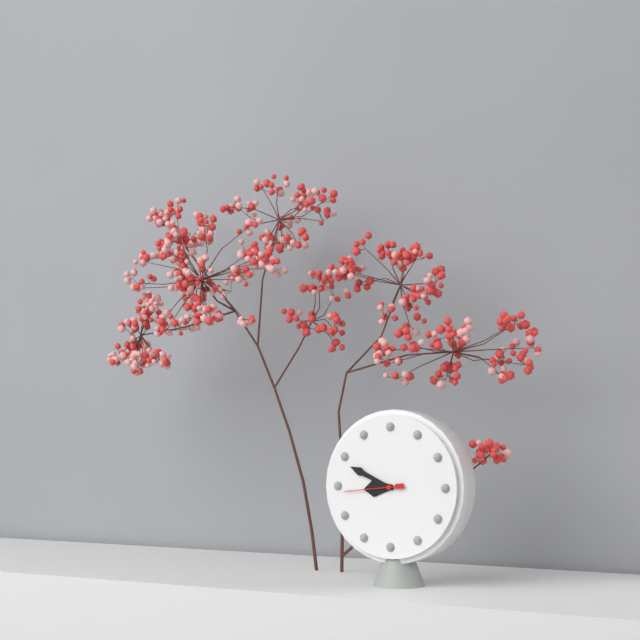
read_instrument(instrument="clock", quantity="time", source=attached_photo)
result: 8:49:44
